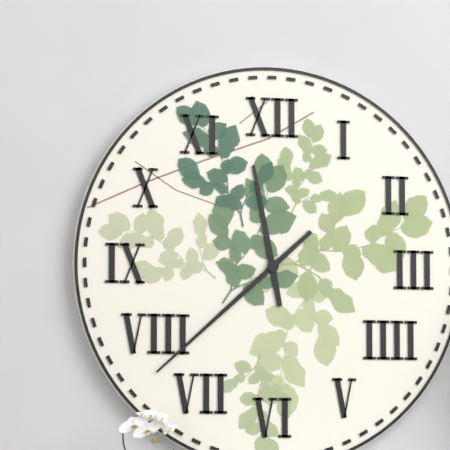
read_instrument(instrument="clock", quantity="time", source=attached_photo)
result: 11:38
